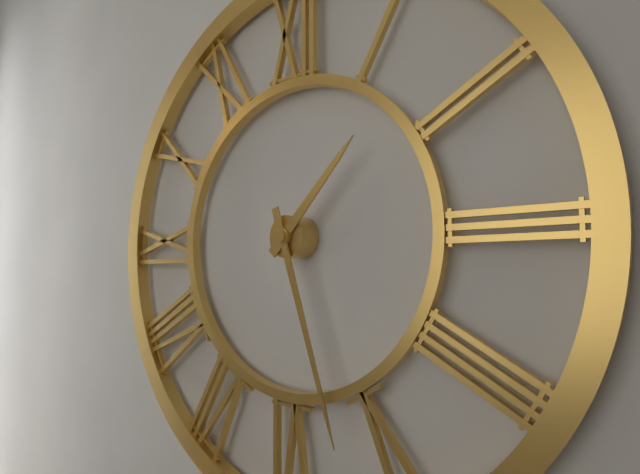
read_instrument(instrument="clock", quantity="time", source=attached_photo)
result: 1:27
